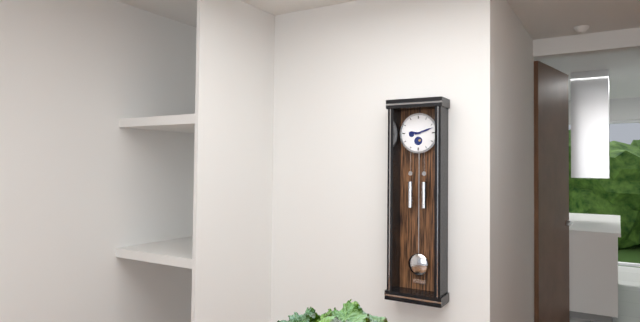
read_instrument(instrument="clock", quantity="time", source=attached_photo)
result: 9:12
